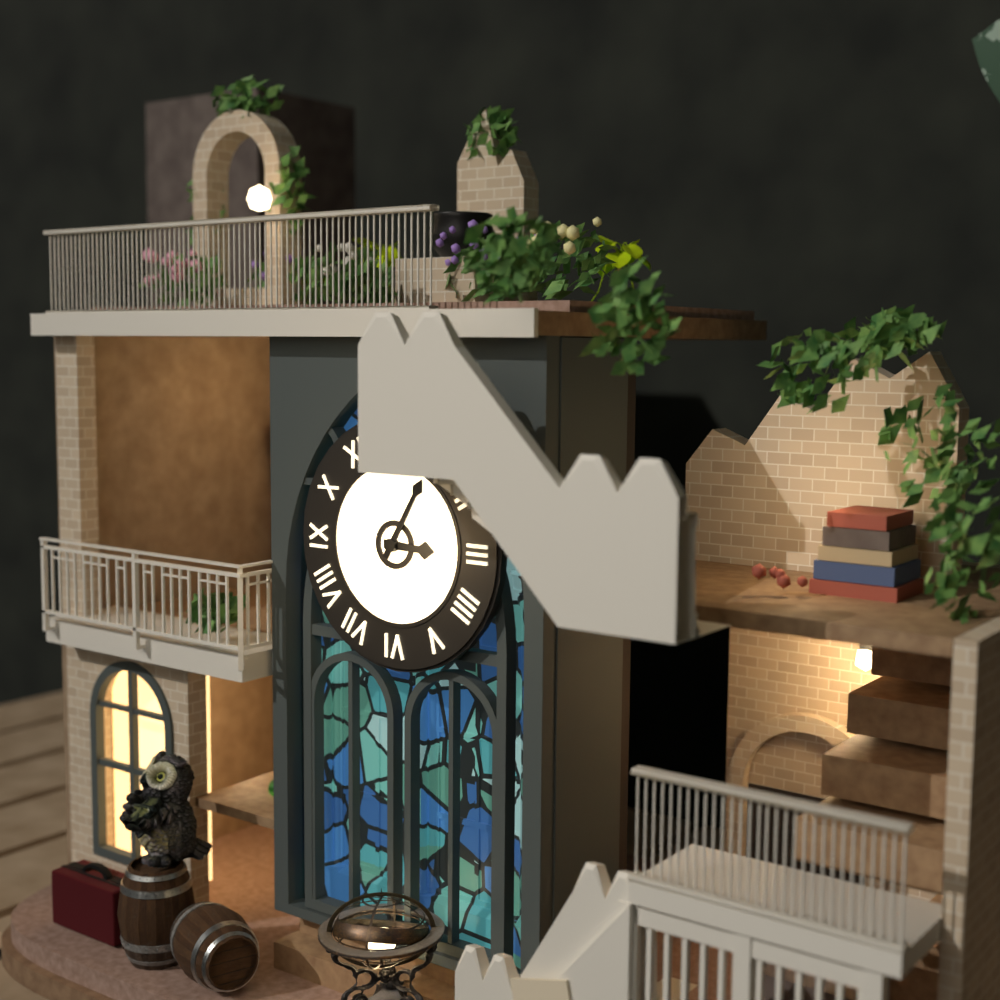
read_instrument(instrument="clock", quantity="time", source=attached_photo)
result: 3:05
